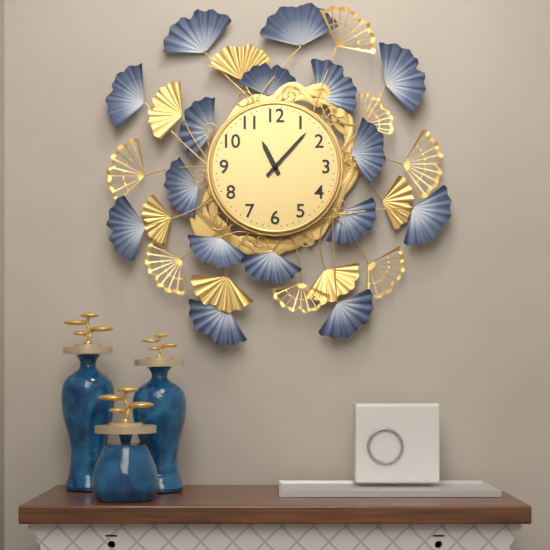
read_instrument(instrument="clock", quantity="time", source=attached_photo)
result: 11:07
